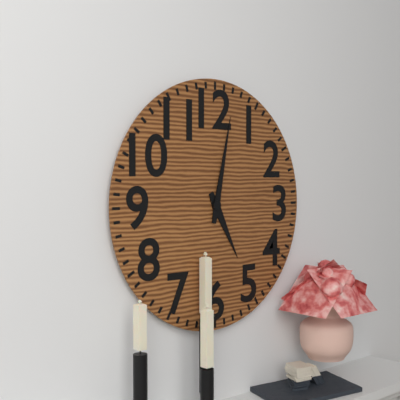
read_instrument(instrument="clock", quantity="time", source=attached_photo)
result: 5:02
